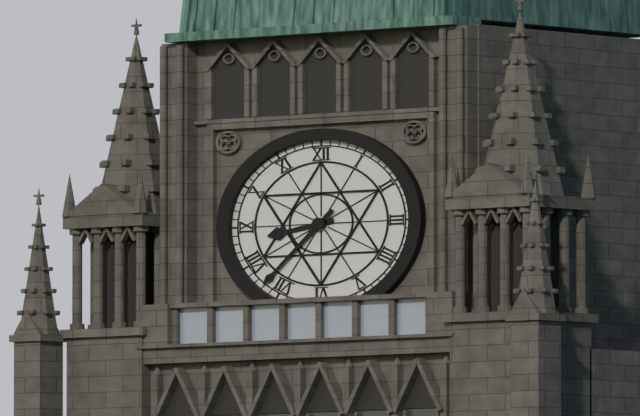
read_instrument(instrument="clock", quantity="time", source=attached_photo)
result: 8:37
